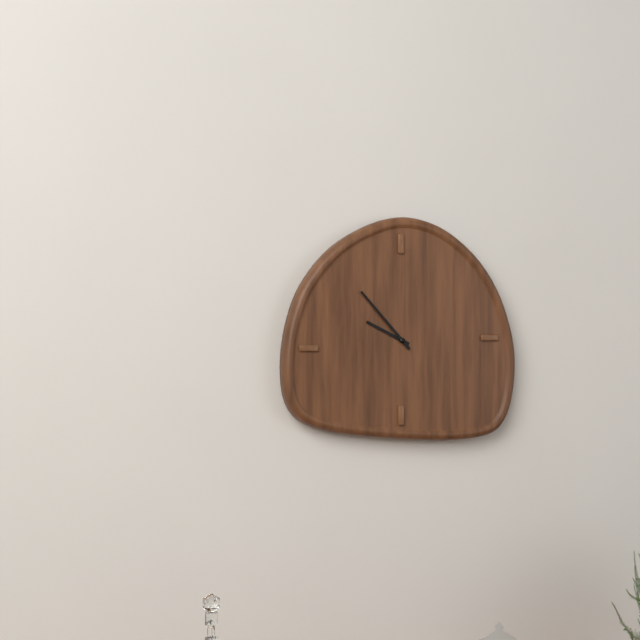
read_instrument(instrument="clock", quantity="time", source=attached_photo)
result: 9:53
